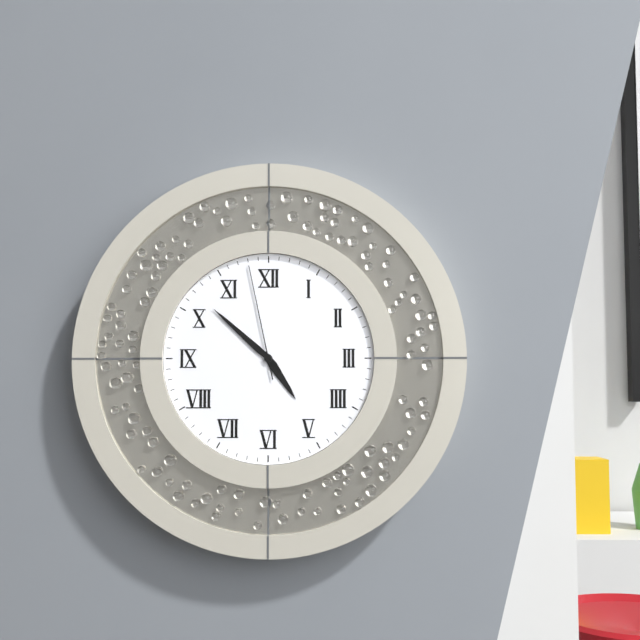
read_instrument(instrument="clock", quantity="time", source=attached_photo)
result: 4:52:58
